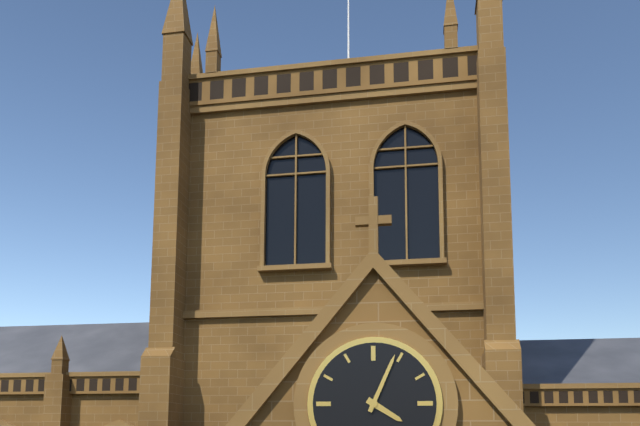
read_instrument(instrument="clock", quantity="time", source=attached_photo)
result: 4:04
